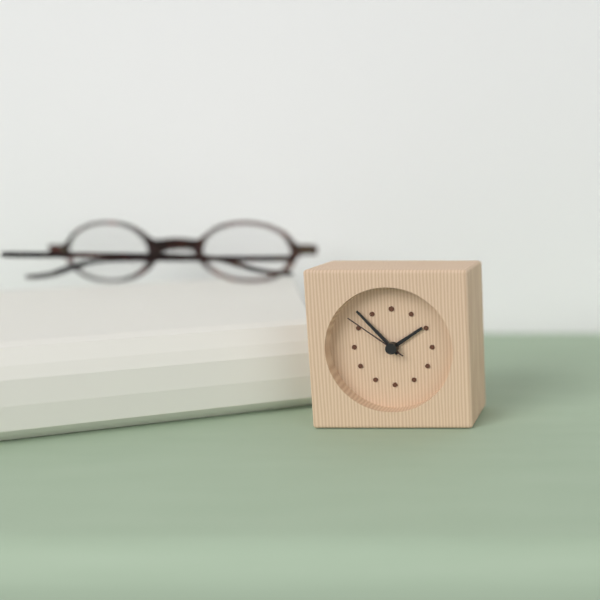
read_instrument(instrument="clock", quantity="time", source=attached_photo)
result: 1:53:51
